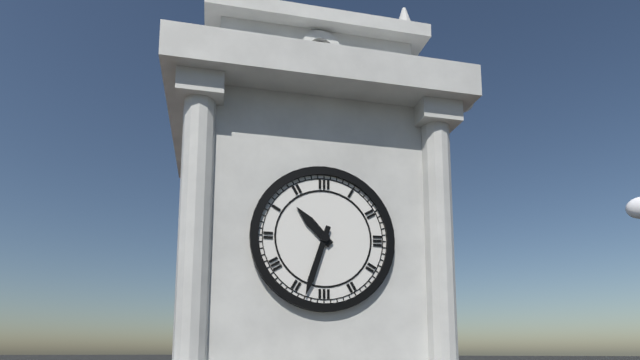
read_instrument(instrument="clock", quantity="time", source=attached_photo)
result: 10:33
